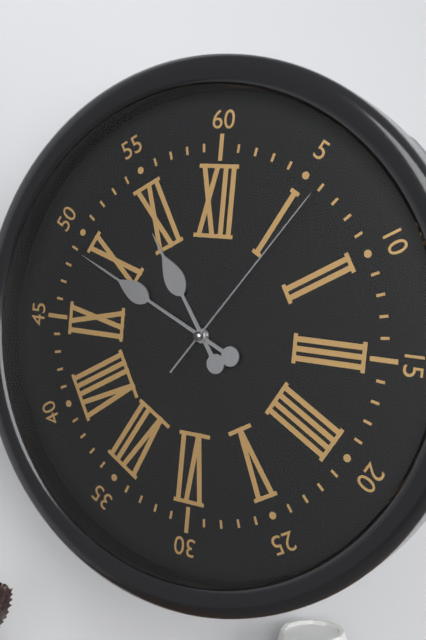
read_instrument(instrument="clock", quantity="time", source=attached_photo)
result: 10:49:06
